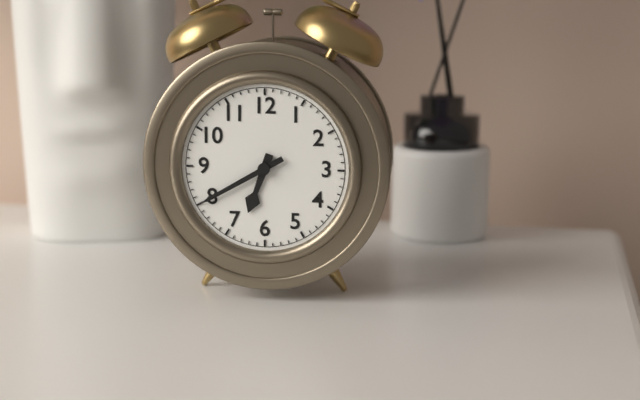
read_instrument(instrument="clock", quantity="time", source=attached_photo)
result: 6:40
